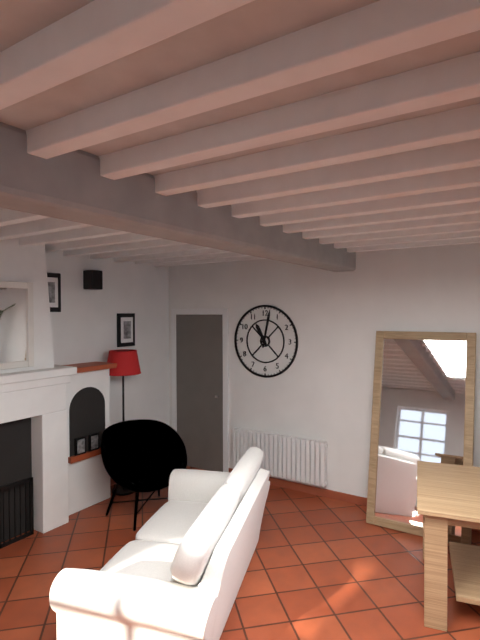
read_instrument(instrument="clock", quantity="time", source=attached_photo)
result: 11:02
